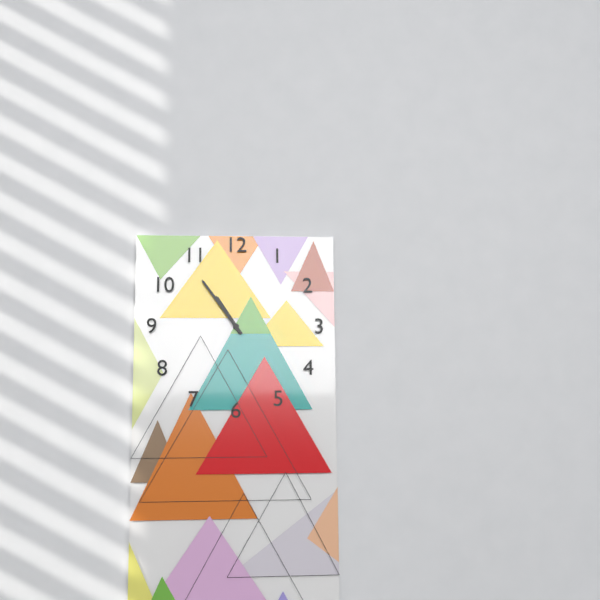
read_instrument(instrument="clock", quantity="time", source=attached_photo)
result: 10:54
